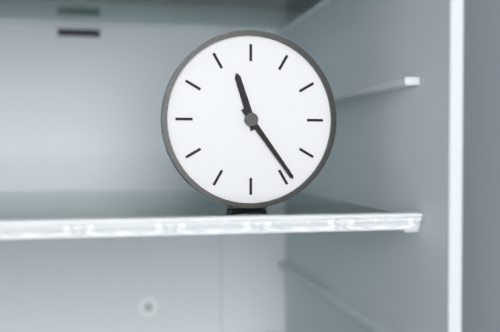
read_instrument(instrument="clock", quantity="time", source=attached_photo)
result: 11:24
